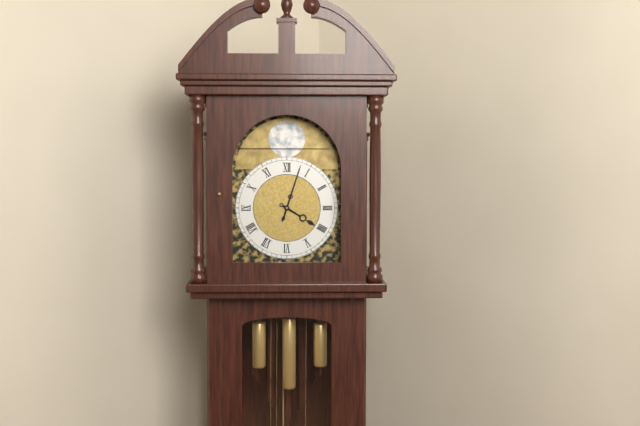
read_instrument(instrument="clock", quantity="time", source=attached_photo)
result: 4:03
